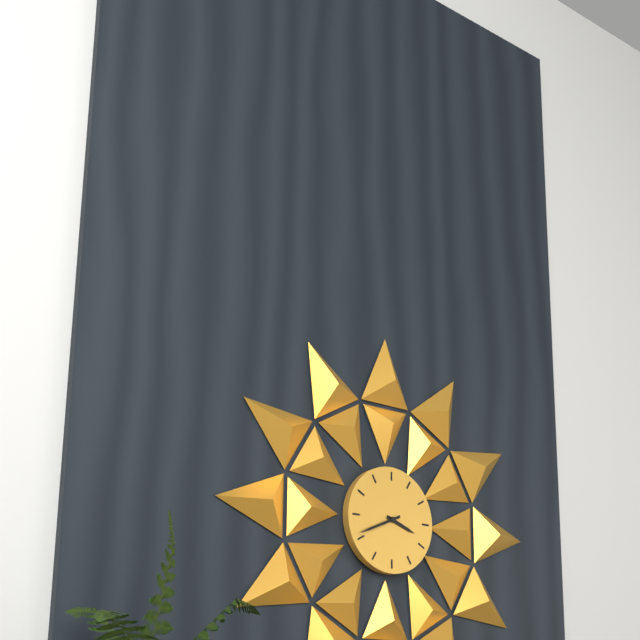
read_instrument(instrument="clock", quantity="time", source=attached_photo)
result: 3:41
